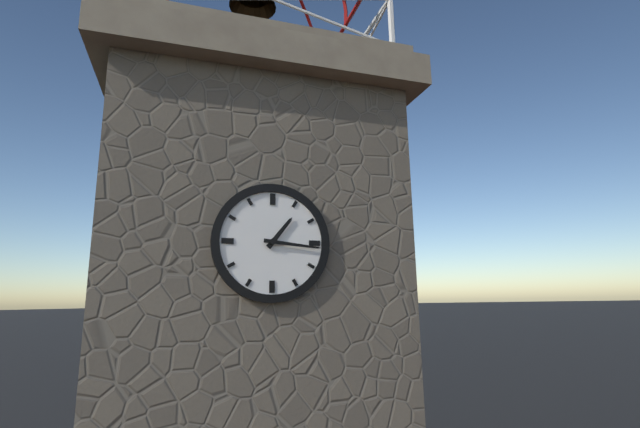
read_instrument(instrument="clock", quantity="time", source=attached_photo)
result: 1:16
